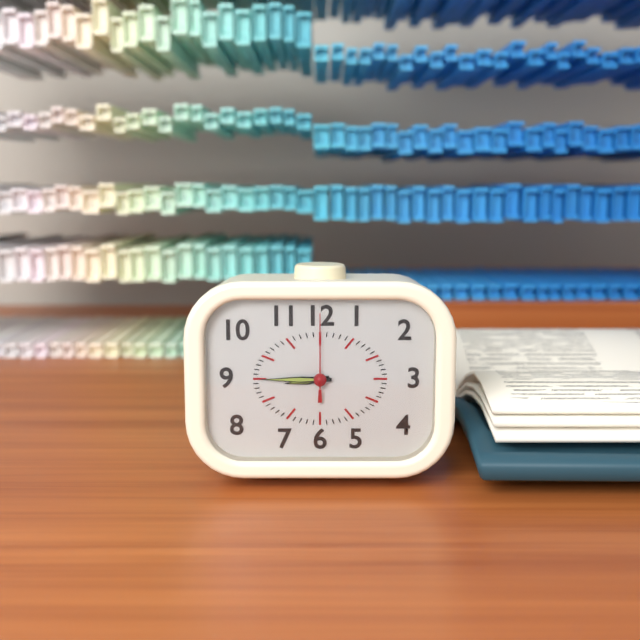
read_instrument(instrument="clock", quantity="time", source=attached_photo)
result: 8:45:00
